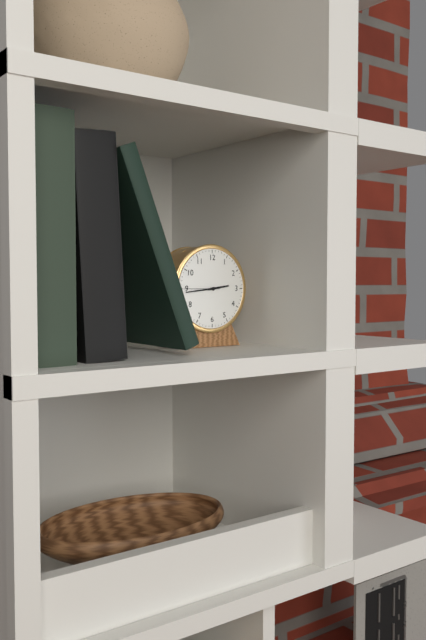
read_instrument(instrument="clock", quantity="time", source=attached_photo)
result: 2:44
